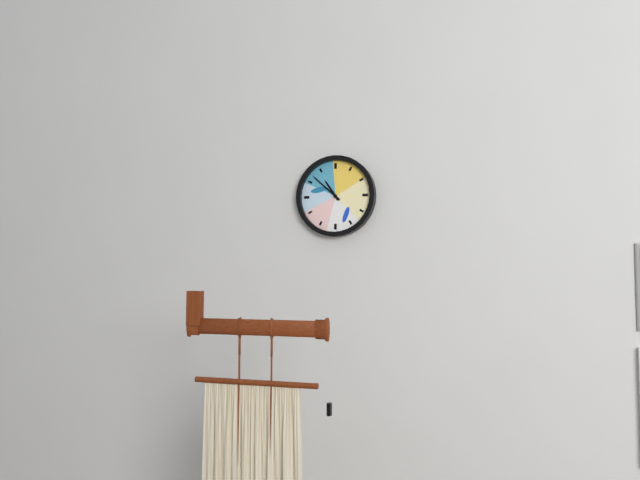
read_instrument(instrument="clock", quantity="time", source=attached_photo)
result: 10:52
